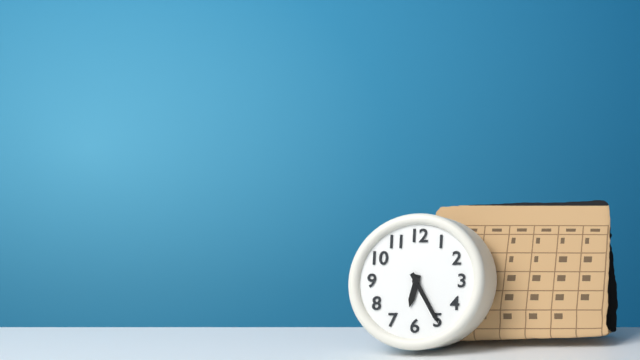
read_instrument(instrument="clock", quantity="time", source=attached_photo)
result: 6:25
